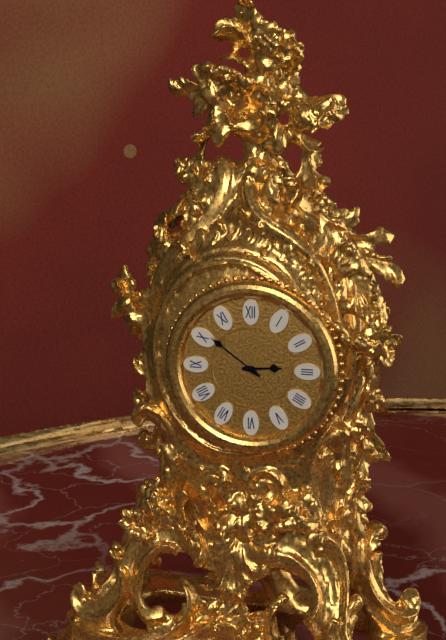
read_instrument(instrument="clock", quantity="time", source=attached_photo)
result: 2:51
